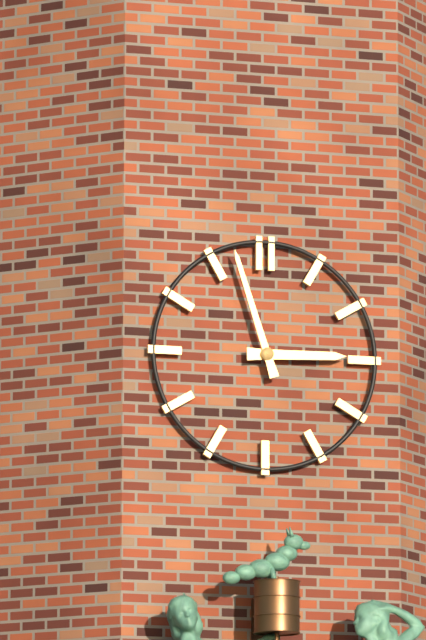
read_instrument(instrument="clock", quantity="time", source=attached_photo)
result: 2:57
